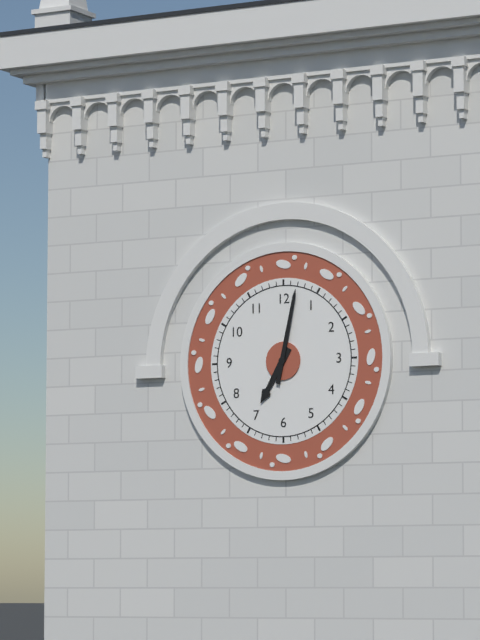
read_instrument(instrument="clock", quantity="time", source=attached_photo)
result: 7:02
